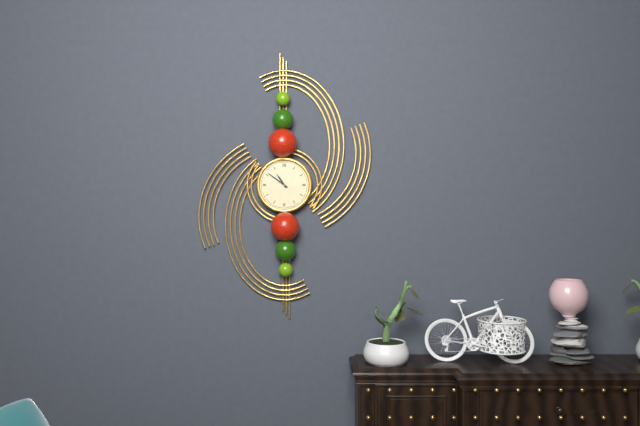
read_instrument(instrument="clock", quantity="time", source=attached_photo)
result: 10:51
